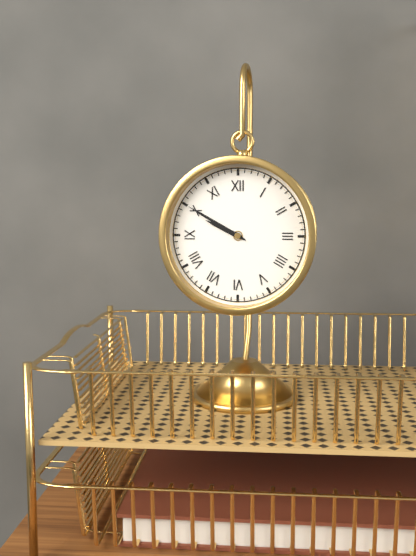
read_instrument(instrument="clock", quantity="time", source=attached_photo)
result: 9:50
